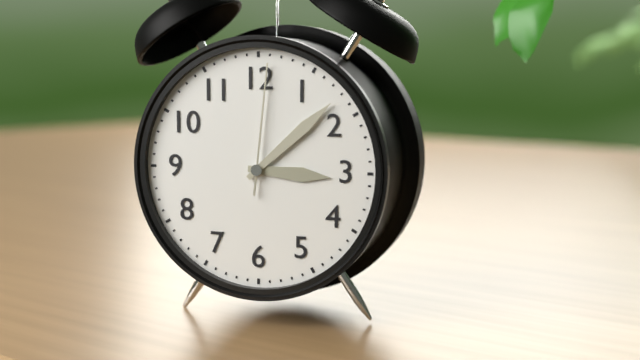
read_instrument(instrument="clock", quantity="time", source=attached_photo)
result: 3:08:01
